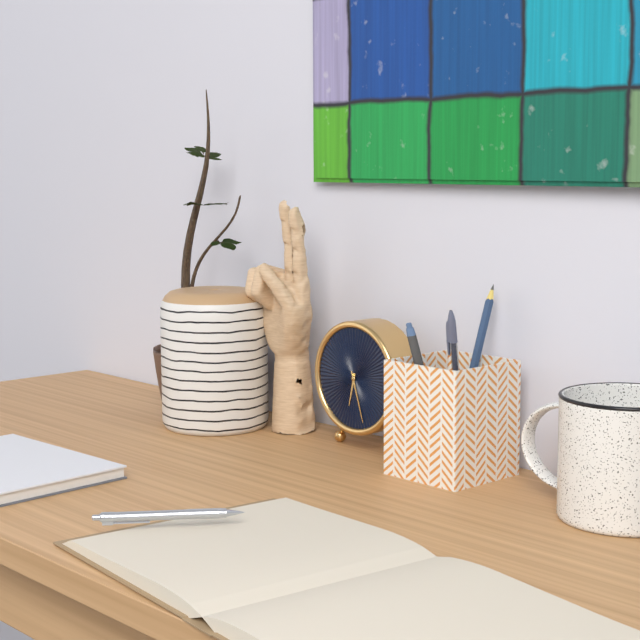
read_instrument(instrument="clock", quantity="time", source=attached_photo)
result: 6:27
